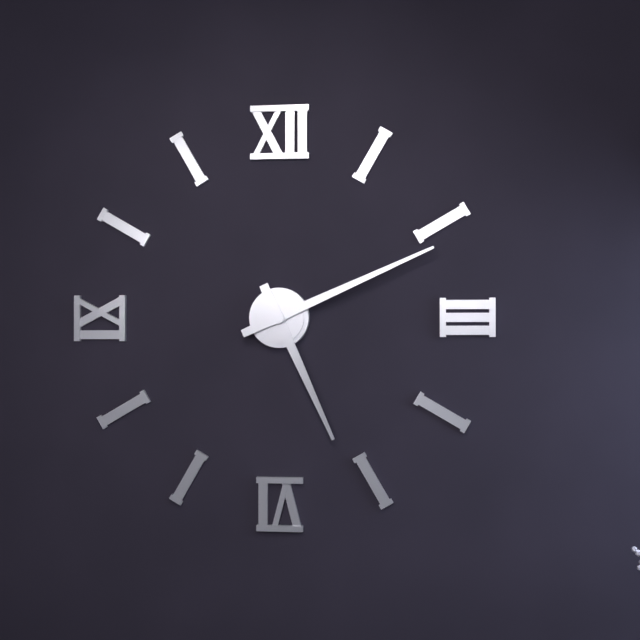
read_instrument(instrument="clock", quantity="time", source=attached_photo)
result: 5:11
